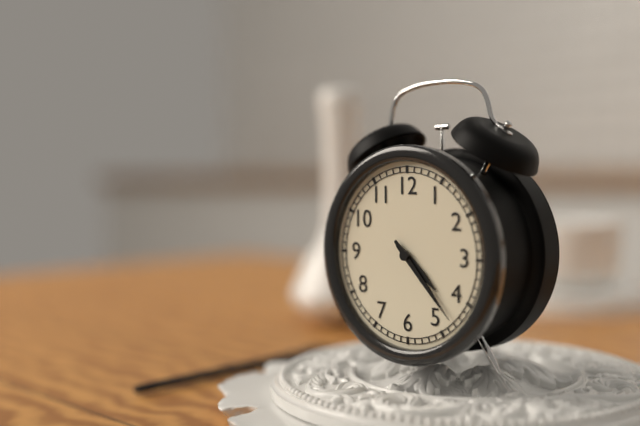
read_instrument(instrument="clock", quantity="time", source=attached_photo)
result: 4:23
